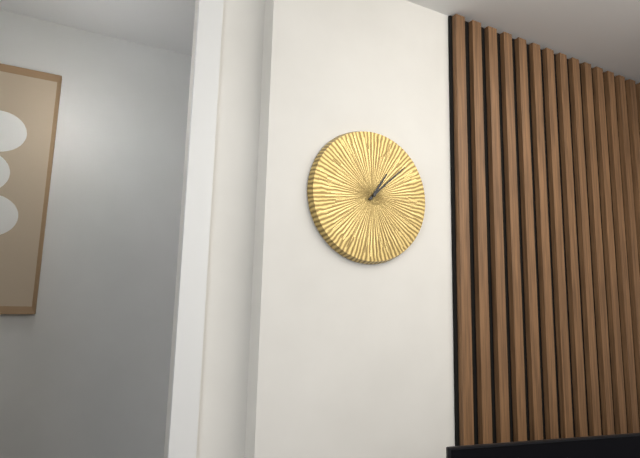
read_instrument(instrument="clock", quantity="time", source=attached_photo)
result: 1:08
